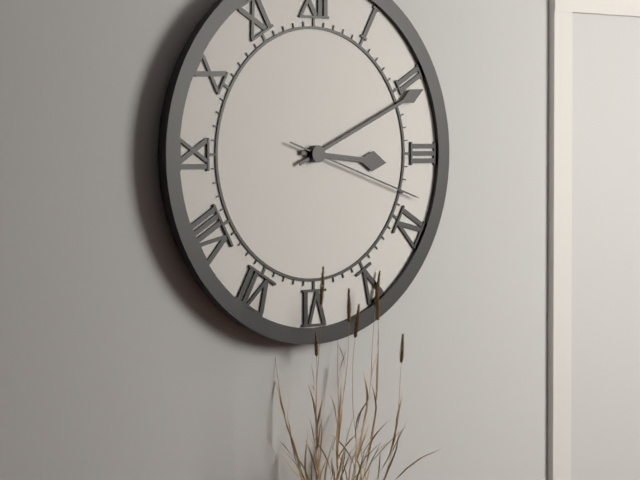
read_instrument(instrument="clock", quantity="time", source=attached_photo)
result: 3:11:18
